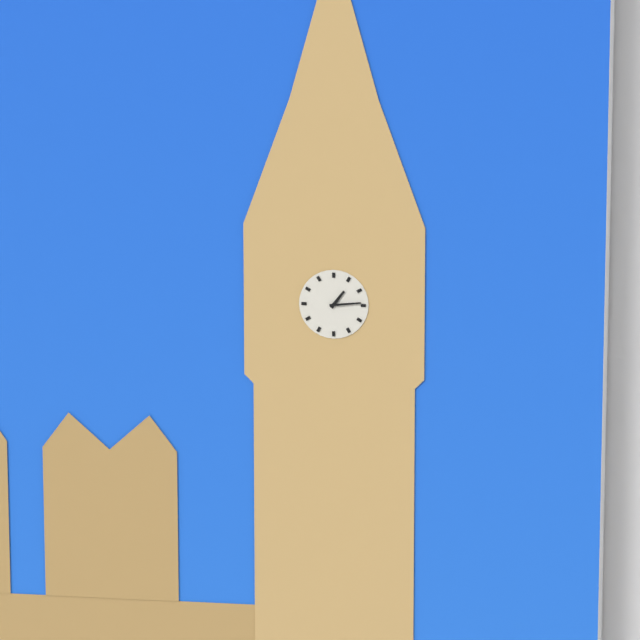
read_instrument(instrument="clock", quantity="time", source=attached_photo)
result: 1:14
